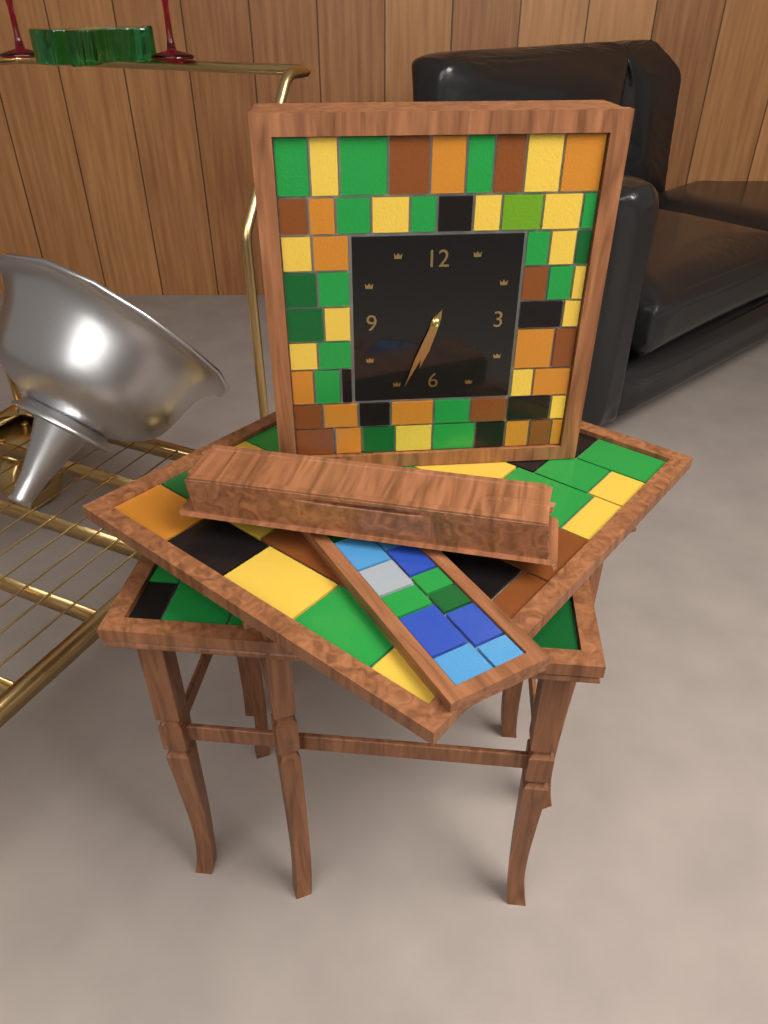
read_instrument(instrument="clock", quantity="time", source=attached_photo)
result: 6:34
